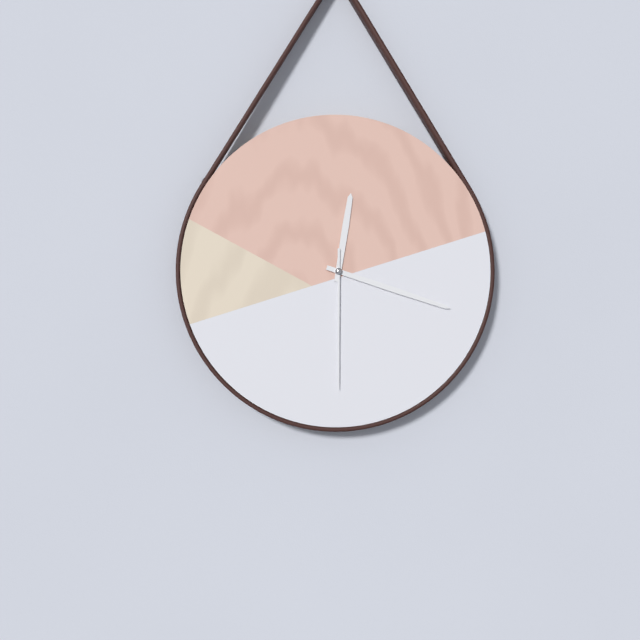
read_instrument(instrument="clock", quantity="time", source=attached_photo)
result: 12:18:30
